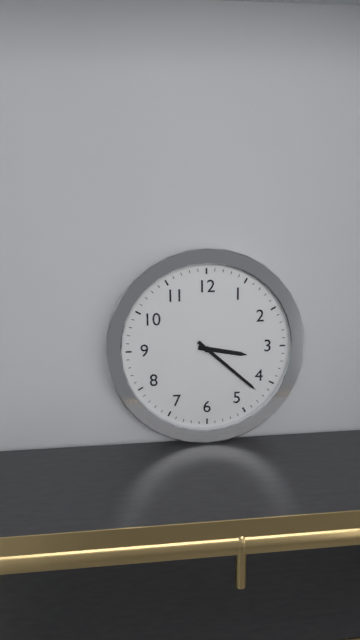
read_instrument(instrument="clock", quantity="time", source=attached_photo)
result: 3:22
